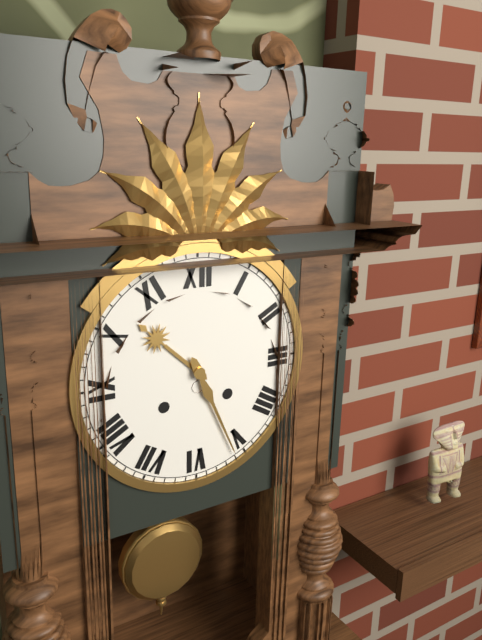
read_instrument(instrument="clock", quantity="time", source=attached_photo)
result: 10:26
